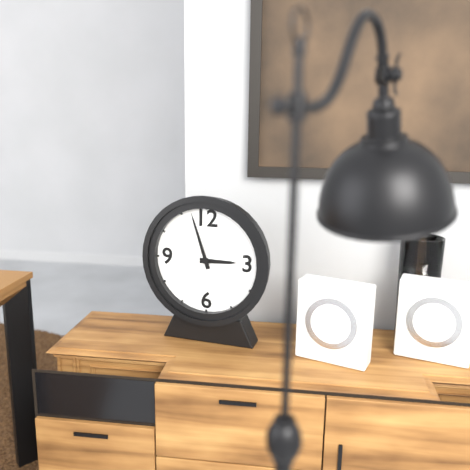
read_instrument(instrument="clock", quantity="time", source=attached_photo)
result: 2:57
